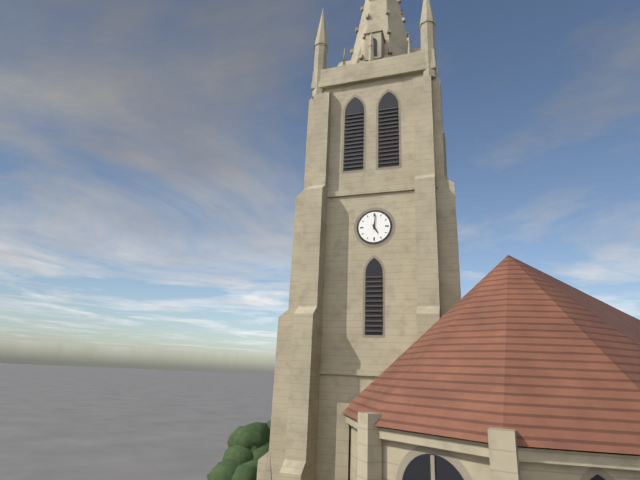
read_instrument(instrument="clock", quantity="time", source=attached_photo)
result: 5:01
